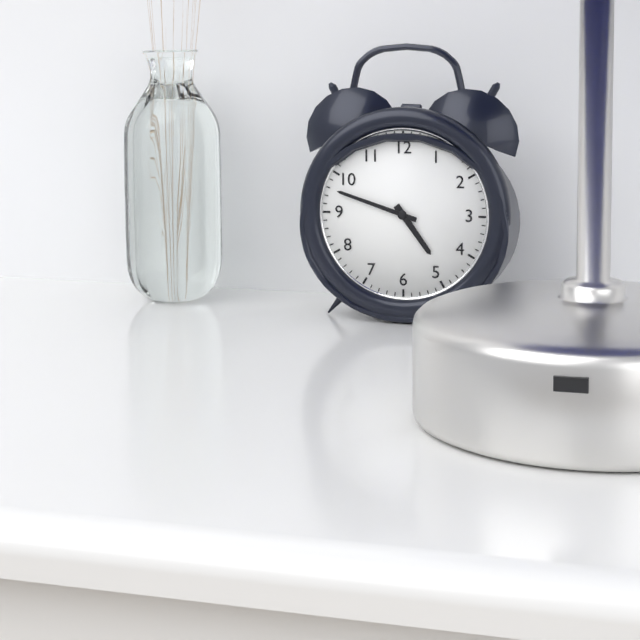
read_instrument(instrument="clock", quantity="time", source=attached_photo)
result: 4:48
